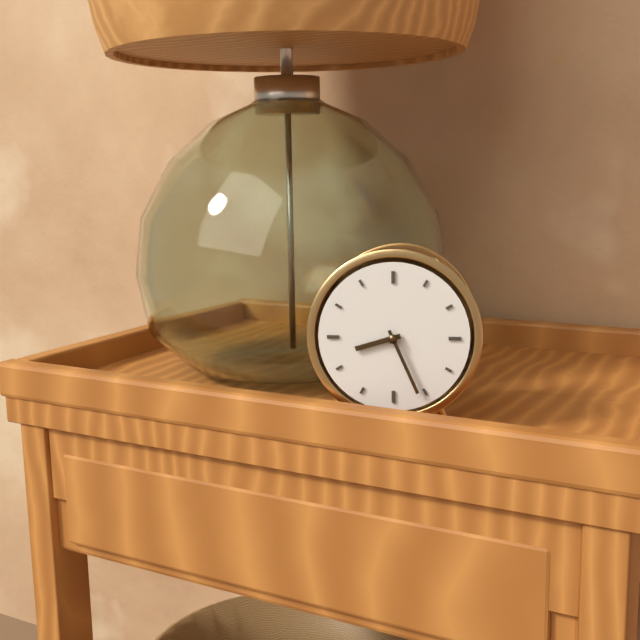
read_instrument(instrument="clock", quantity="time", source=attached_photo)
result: 8:26
